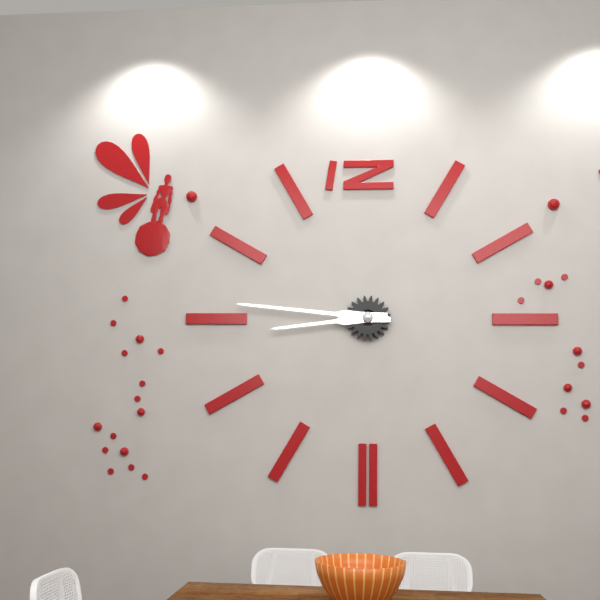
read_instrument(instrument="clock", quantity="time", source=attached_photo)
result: 8:46
